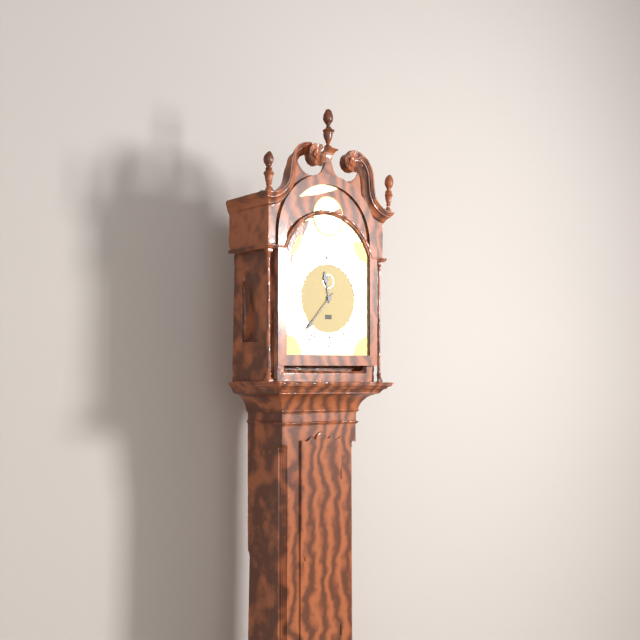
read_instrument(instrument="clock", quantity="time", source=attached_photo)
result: 11:37
